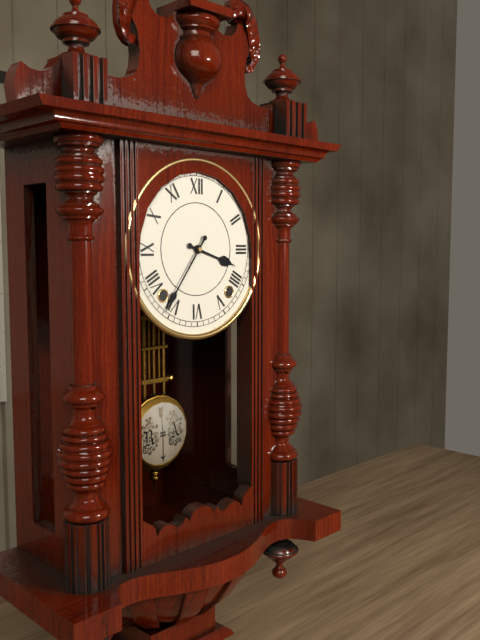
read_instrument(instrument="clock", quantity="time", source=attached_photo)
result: 3:36
